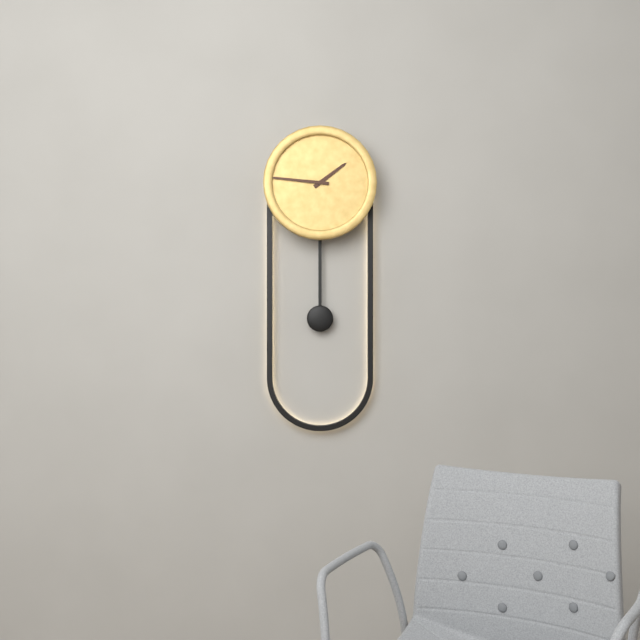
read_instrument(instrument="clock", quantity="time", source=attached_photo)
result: 1:46
